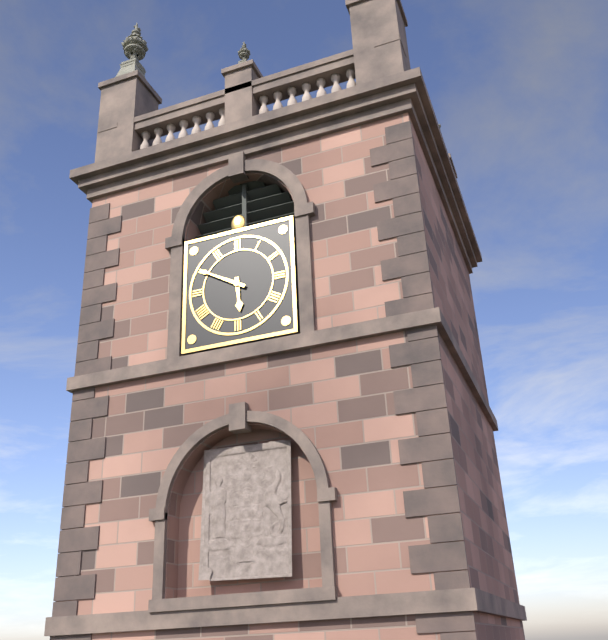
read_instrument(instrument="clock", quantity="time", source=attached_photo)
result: 5:50
